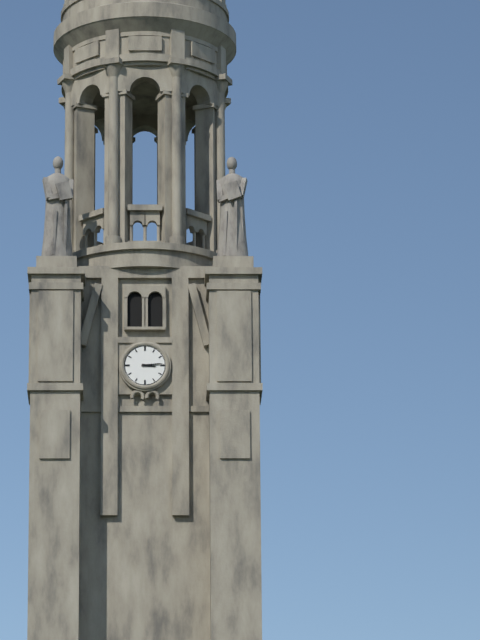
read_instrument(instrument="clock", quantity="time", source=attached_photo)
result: 3:14
